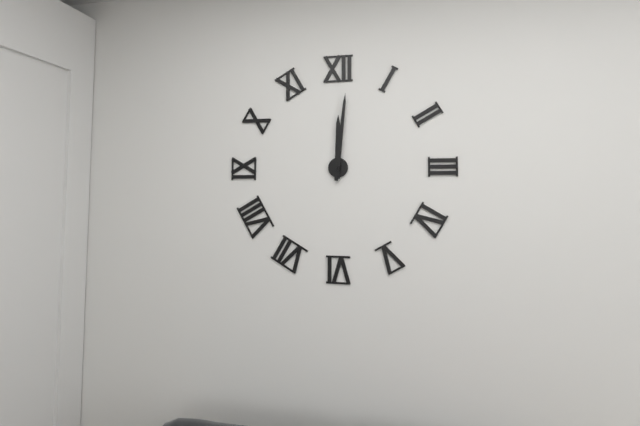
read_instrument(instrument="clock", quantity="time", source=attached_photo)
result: 12:01
